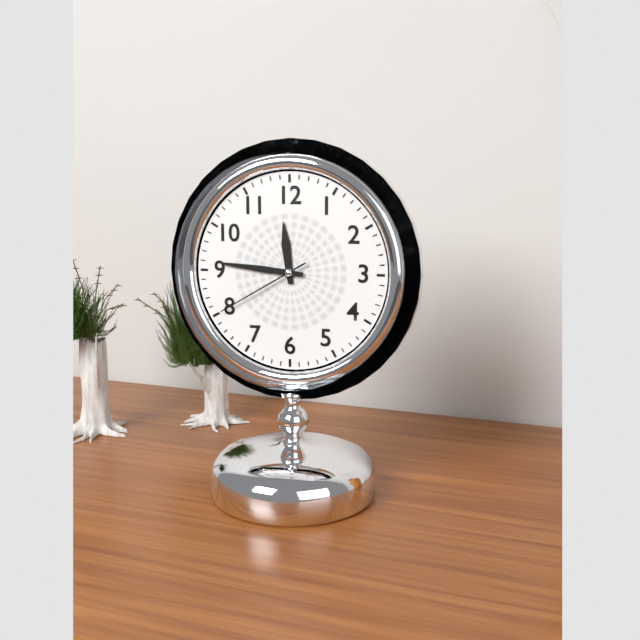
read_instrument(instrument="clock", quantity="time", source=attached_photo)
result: 11:46:40
